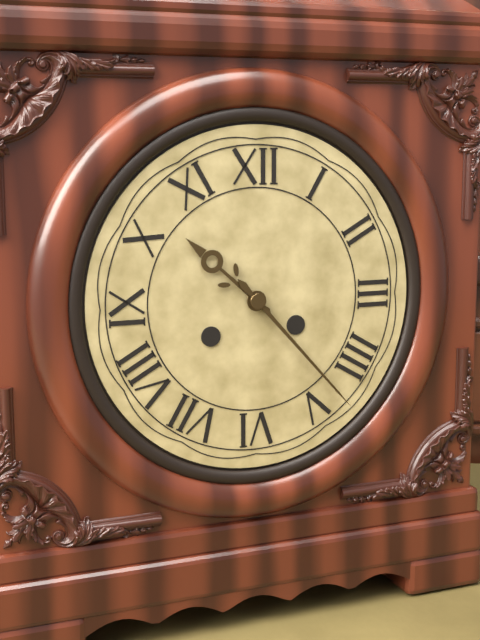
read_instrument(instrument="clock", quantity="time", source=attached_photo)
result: 10:23
